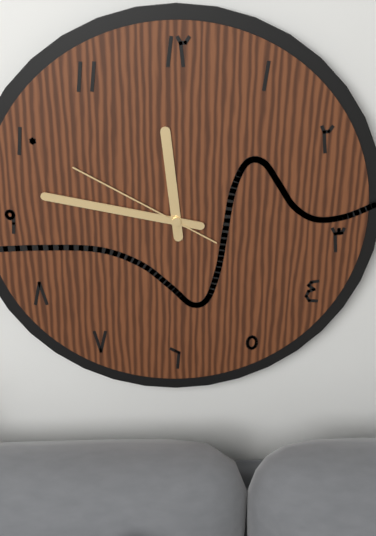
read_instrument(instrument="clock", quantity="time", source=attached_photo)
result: 11:47:50
